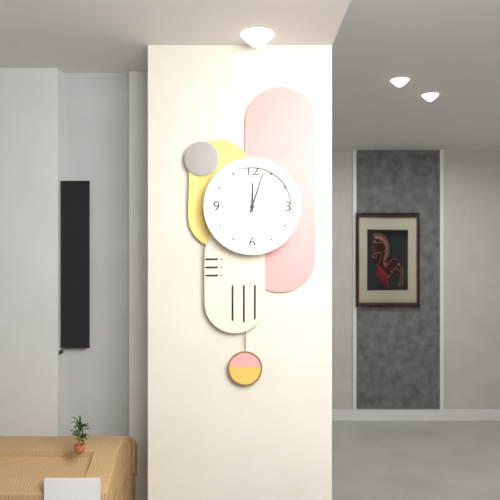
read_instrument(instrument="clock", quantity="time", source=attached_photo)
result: 12:03
